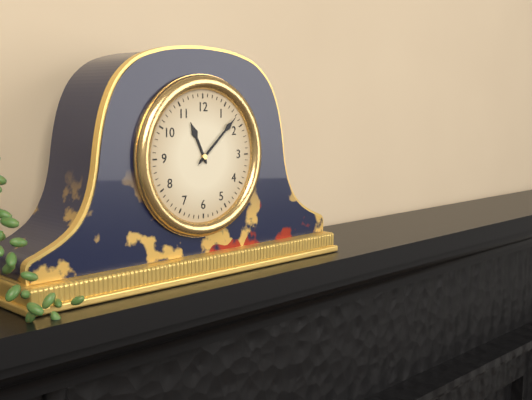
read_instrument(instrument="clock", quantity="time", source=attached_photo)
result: 11:08
